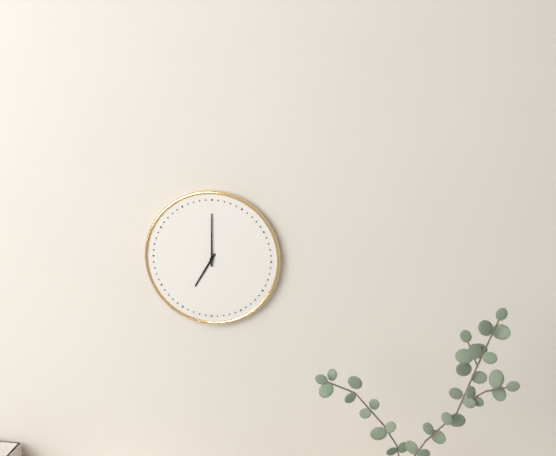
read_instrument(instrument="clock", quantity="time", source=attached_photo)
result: 7:00
